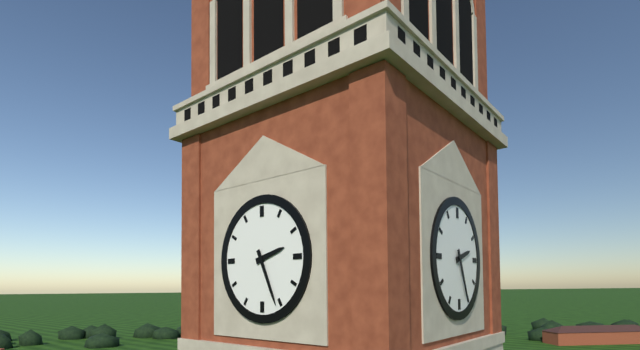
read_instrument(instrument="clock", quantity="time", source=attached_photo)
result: 2:26
